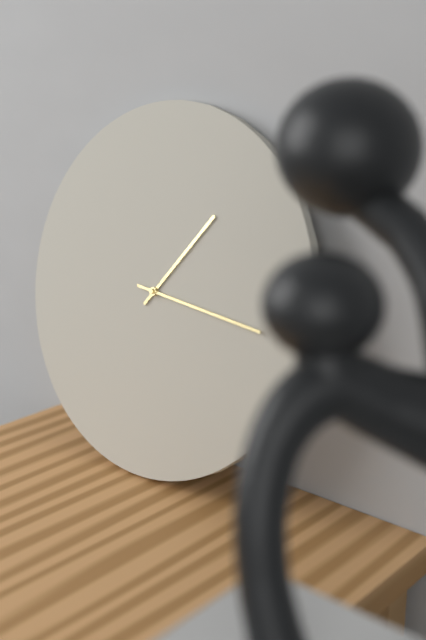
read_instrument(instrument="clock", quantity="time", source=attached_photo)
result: 1:16
